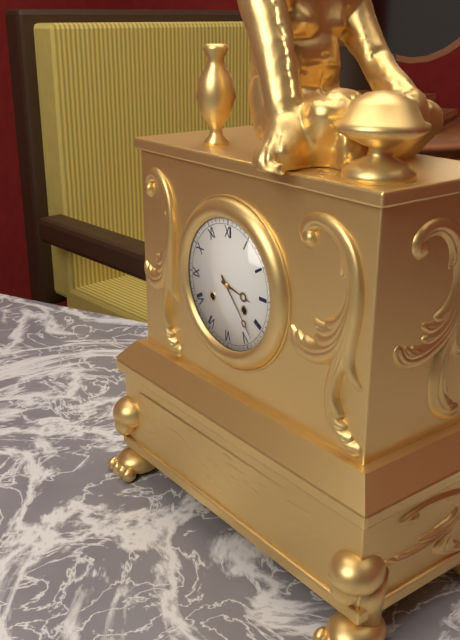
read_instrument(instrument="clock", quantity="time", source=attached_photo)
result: 3:23
